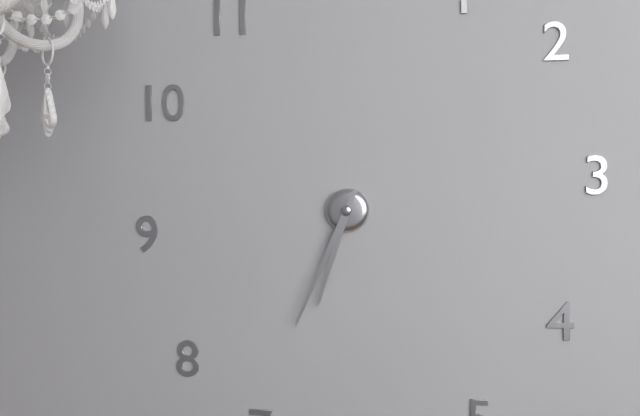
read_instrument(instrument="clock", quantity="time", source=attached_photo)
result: 6:34
